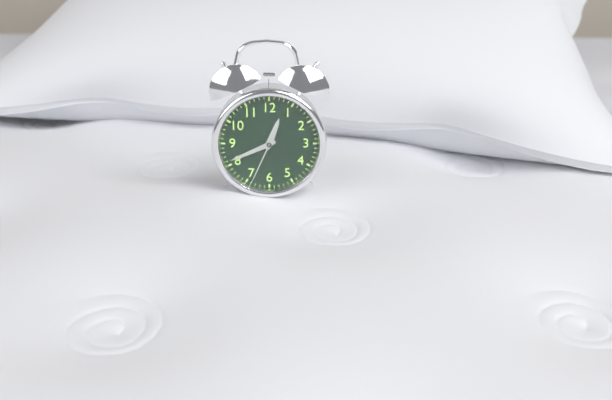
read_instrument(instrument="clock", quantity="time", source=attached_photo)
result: 12:41:34
